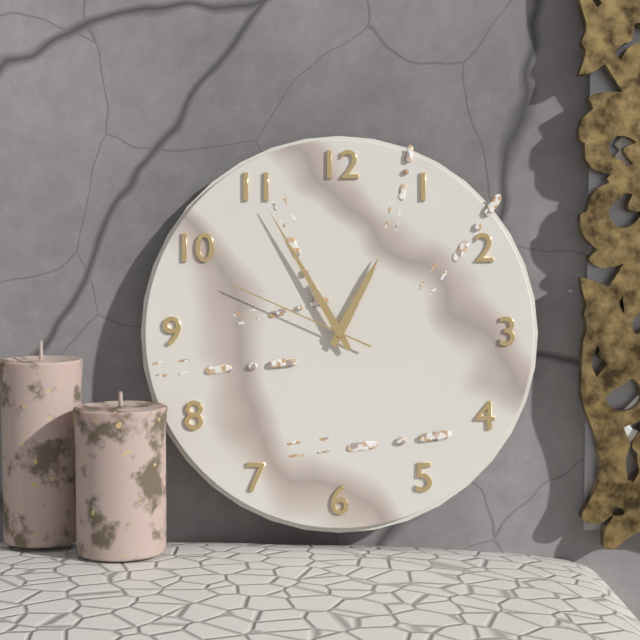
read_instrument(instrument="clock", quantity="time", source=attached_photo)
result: 12:55:49
